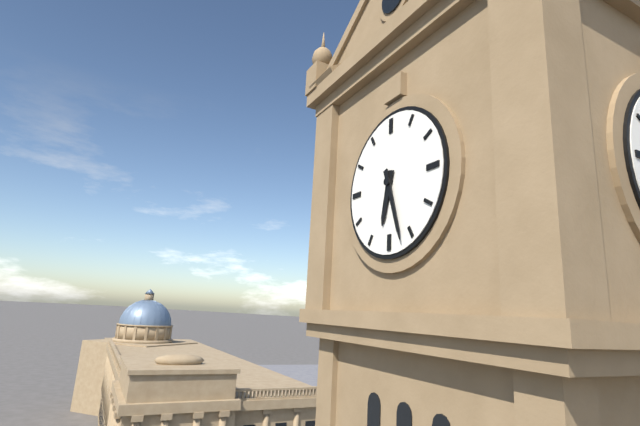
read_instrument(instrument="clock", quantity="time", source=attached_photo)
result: 6:27
